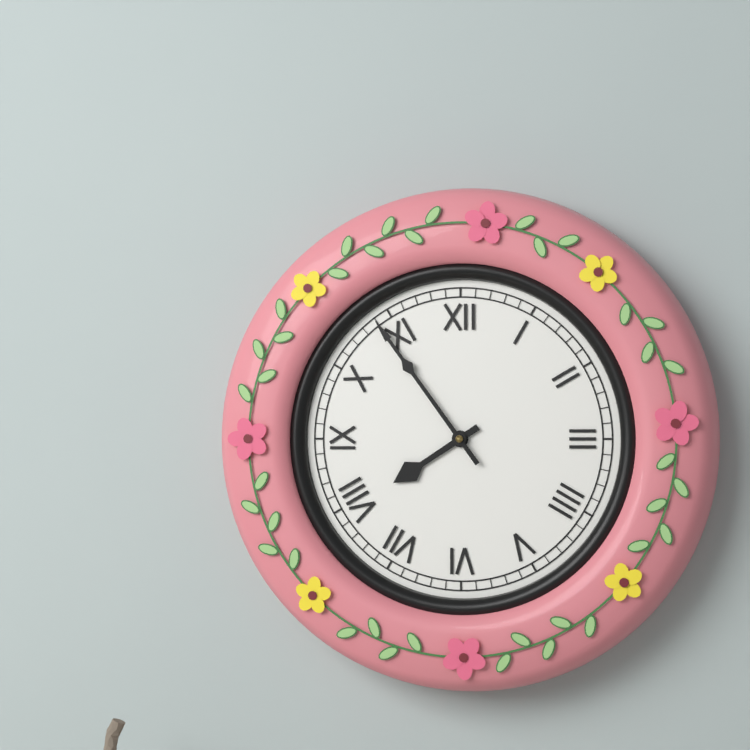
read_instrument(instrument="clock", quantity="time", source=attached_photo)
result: 7:54
